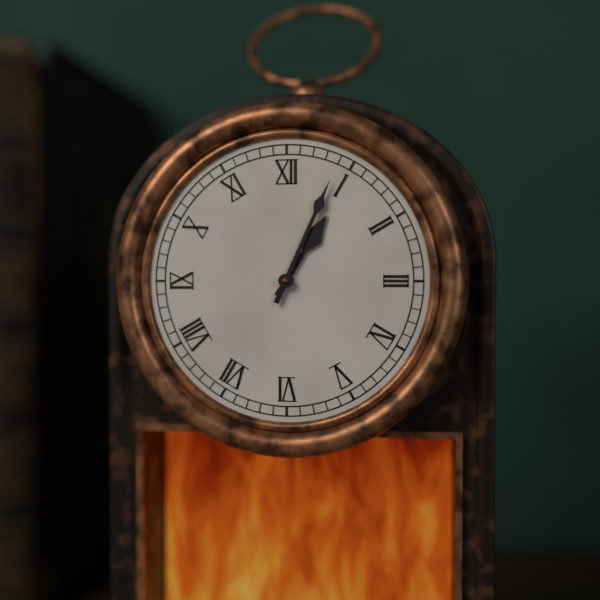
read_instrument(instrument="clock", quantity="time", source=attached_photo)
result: 1:04
